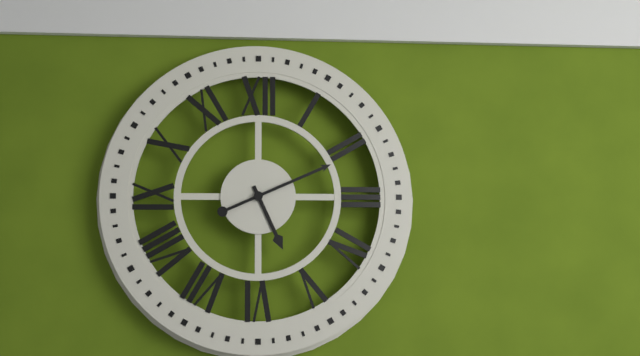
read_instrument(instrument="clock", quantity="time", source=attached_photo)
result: 5:11
